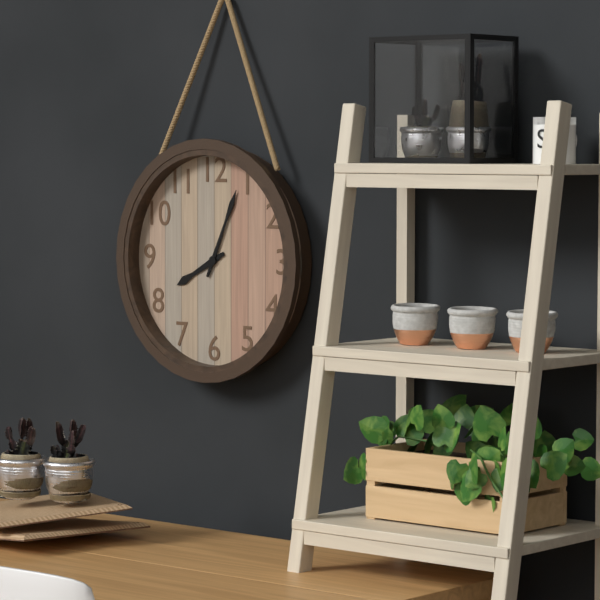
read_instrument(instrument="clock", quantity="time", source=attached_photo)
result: 8:04
